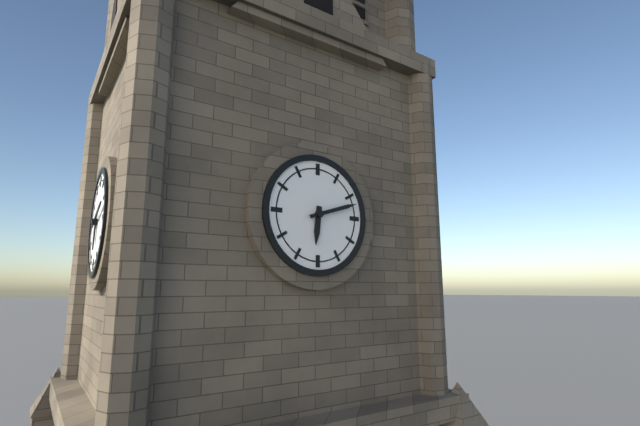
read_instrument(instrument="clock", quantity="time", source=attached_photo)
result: 6:12
